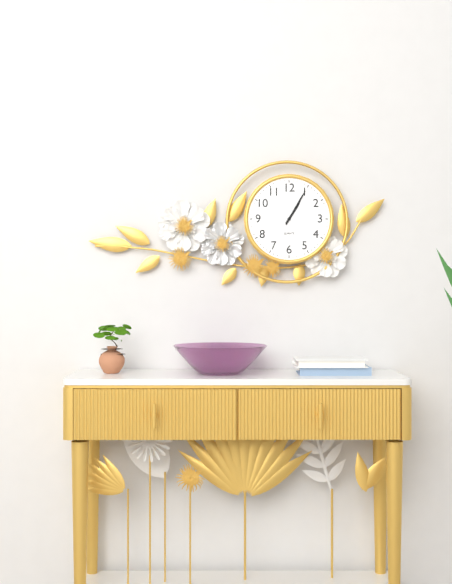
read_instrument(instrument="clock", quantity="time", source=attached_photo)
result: 1:05
